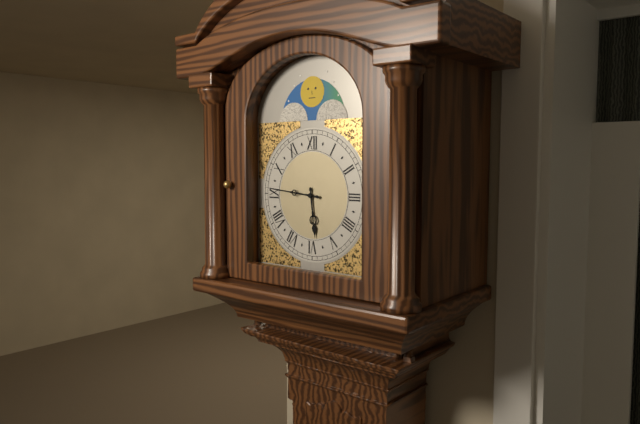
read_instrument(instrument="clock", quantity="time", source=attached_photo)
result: 5:46
